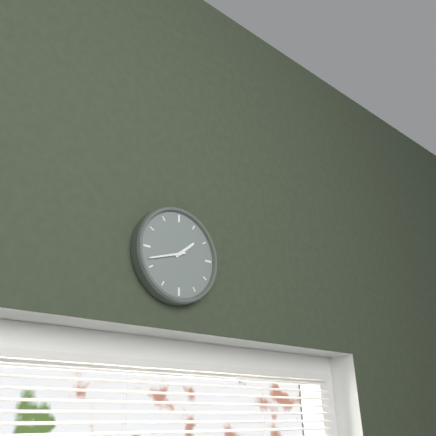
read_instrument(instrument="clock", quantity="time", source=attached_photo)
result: 1:42
